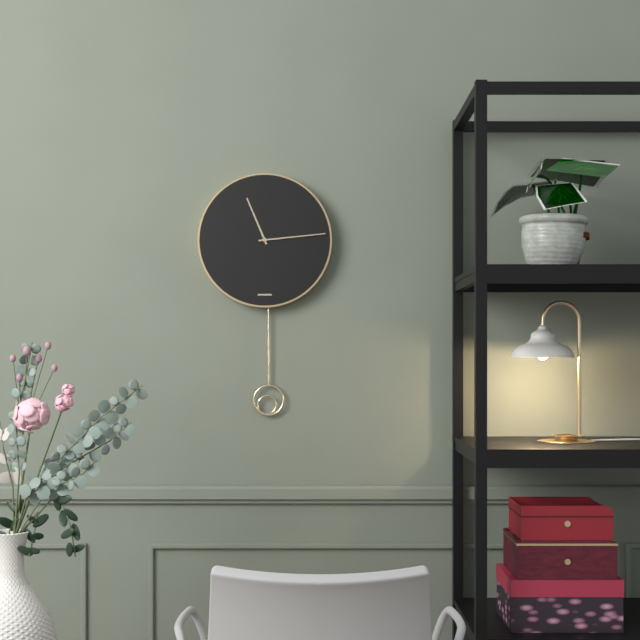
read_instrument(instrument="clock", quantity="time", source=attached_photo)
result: 11:14
